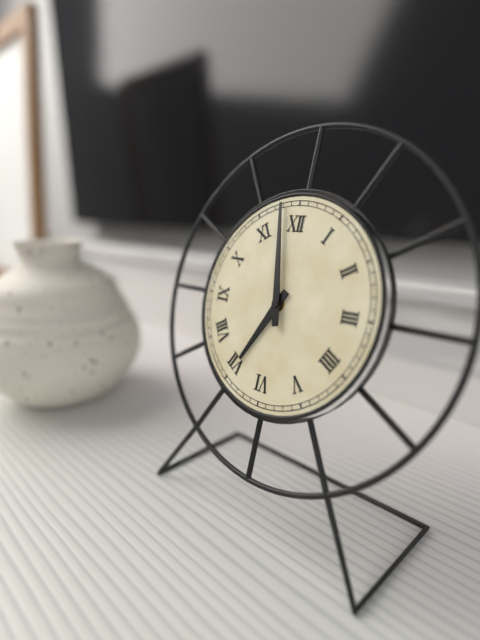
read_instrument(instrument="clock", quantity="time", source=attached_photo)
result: 6:58
